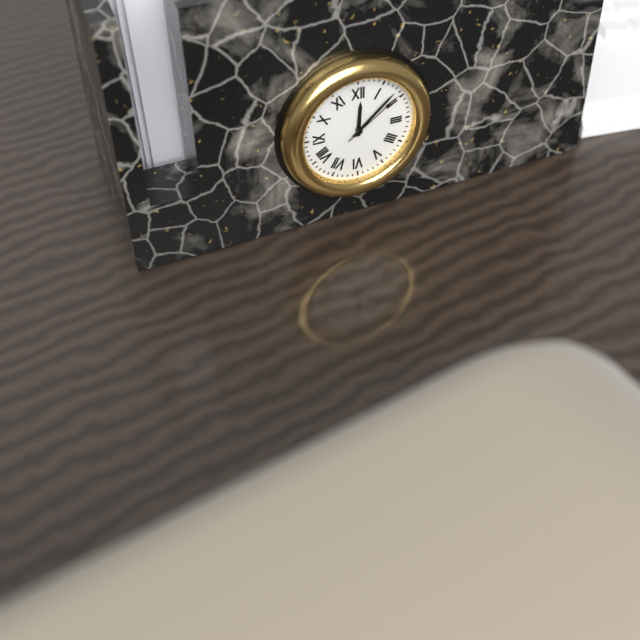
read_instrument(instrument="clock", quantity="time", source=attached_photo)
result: 12:08:09
